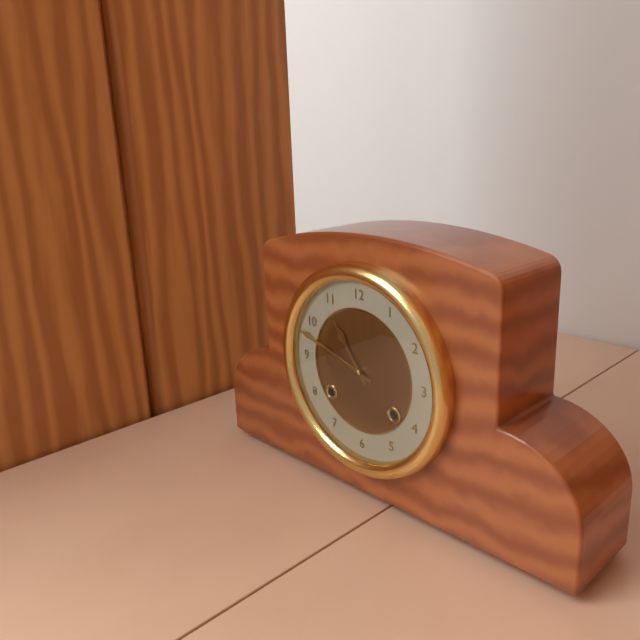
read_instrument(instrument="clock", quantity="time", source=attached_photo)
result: 10:48
